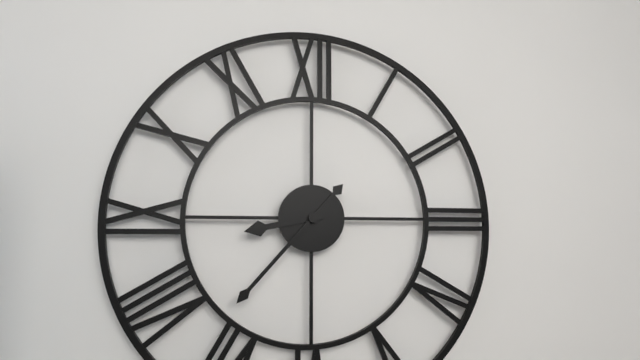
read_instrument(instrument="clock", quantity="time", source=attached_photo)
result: 8:37
